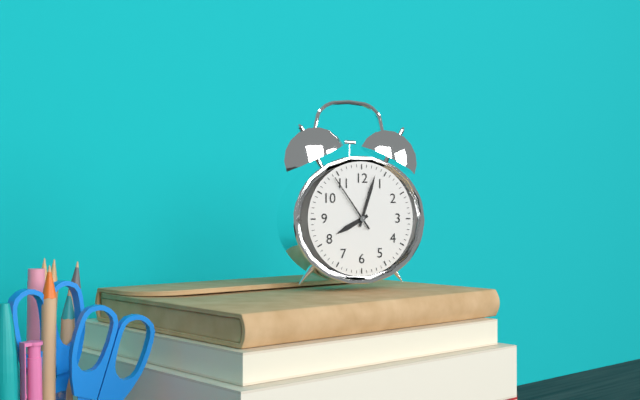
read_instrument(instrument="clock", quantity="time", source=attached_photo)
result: 8:03:54
